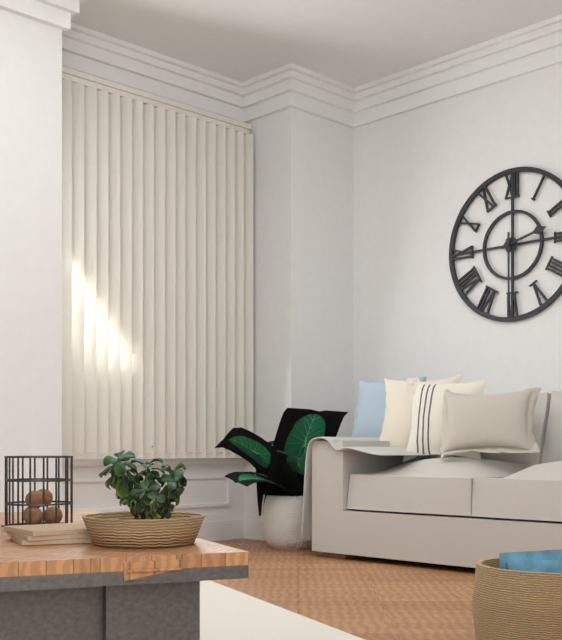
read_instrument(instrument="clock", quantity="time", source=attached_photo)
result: 2:30
